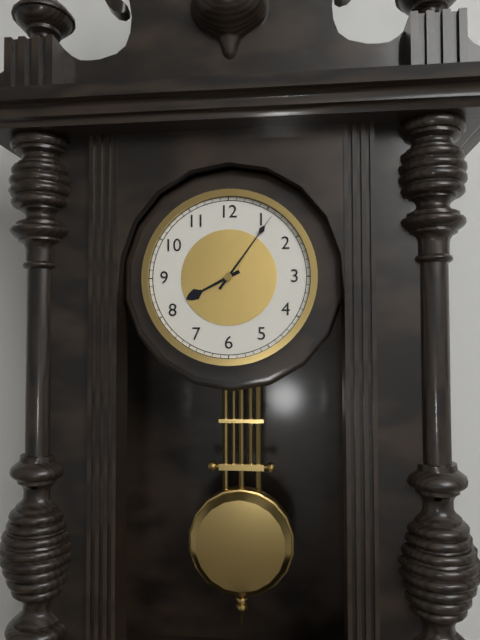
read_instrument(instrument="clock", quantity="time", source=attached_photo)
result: 8:06
